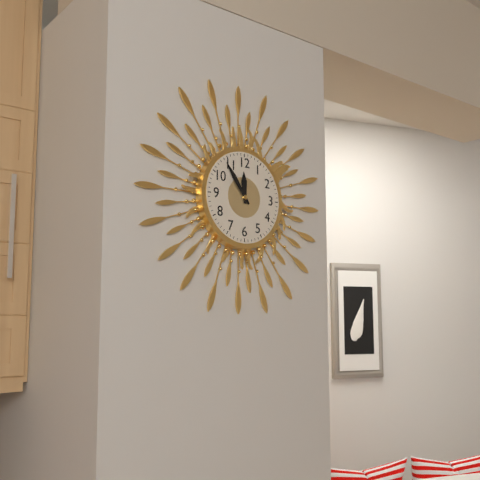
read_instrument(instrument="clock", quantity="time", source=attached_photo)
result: 11:54
